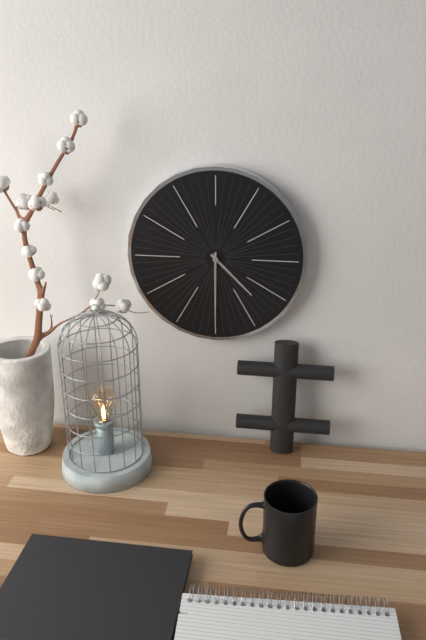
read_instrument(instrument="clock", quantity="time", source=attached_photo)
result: 4:30
